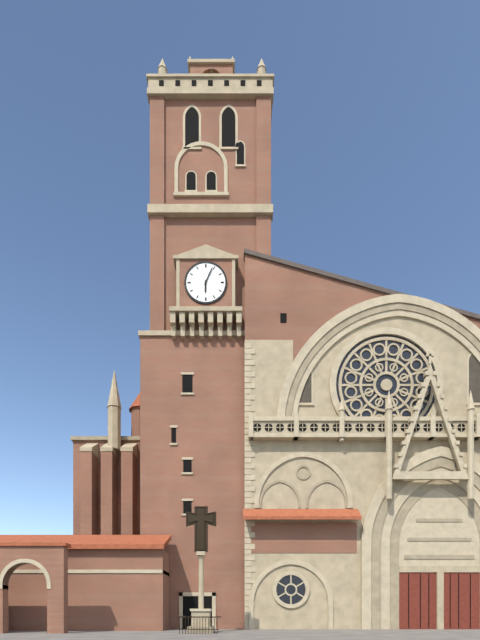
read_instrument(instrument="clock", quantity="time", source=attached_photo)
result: 6:04
